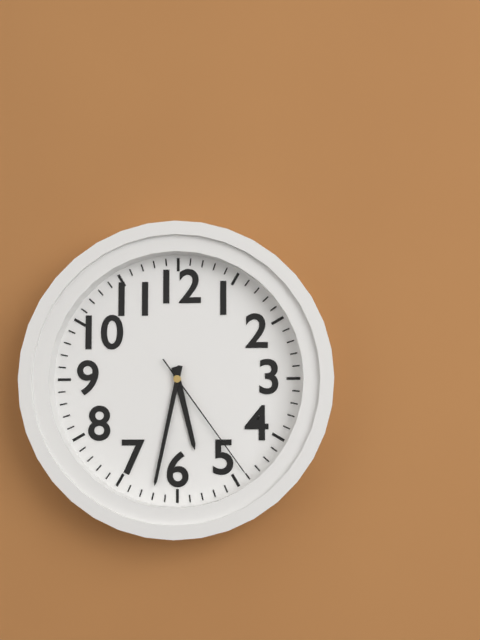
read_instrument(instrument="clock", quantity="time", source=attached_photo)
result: 5:32:24
